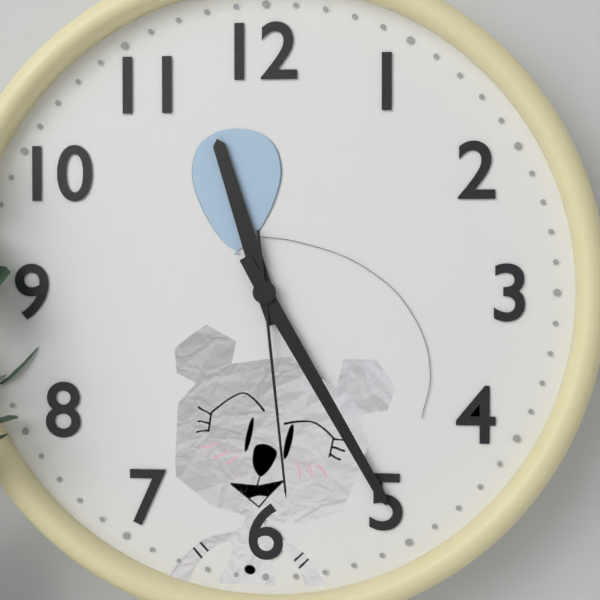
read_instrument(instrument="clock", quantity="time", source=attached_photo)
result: 11:25:29
